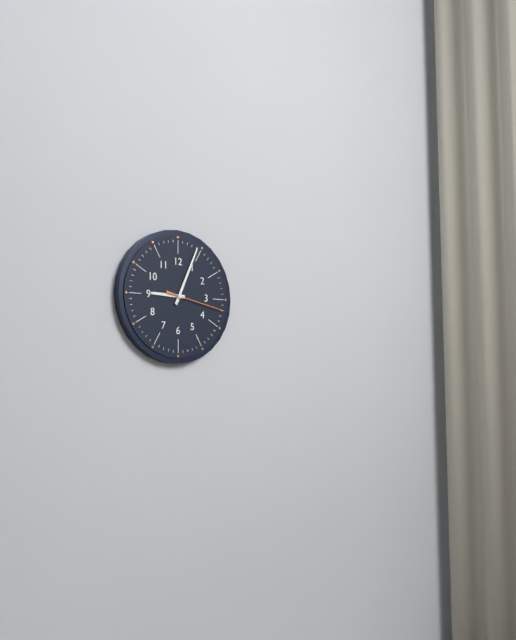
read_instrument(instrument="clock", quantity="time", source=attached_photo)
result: 9:04:17
